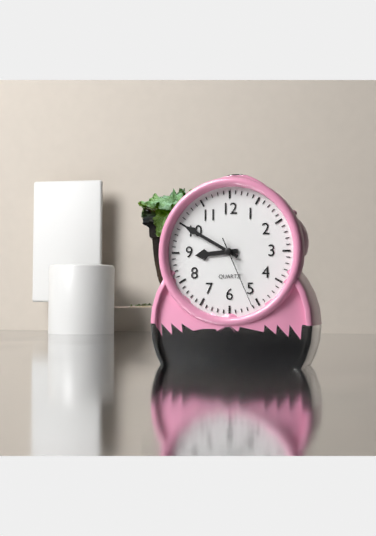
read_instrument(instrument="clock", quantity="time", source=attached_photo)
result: 8:50:26
